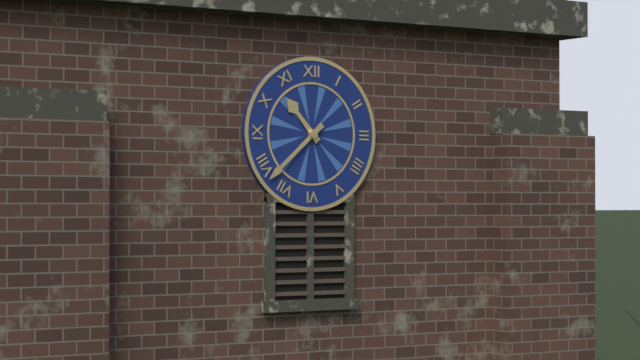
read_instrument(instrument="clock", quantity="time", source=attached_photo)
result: 10:38
